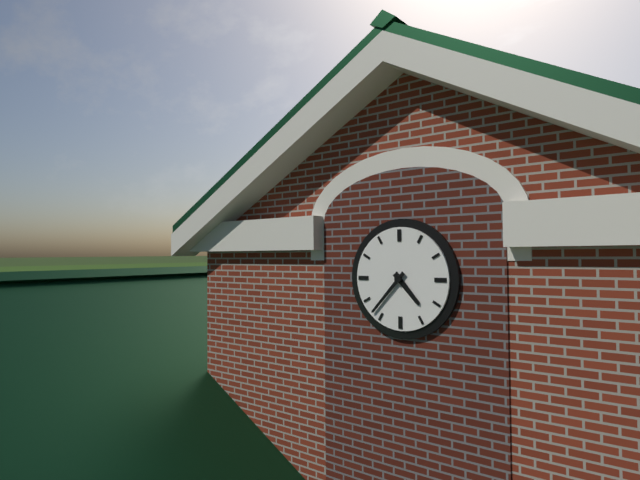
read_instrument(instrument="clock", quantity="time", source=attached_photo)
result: 4:37
